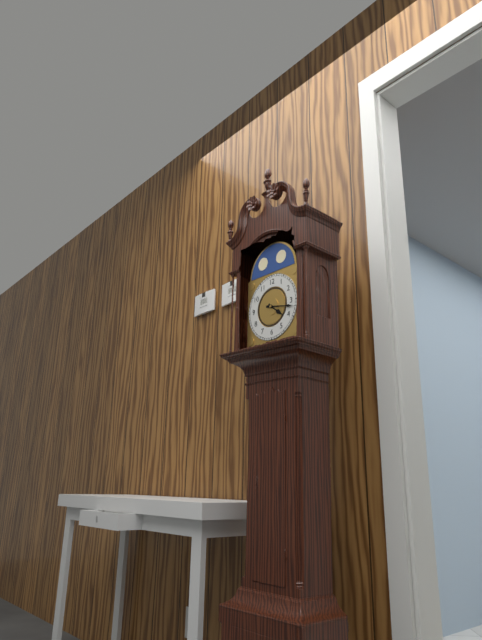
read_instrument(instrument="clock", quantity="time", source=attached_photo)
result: 4:17
